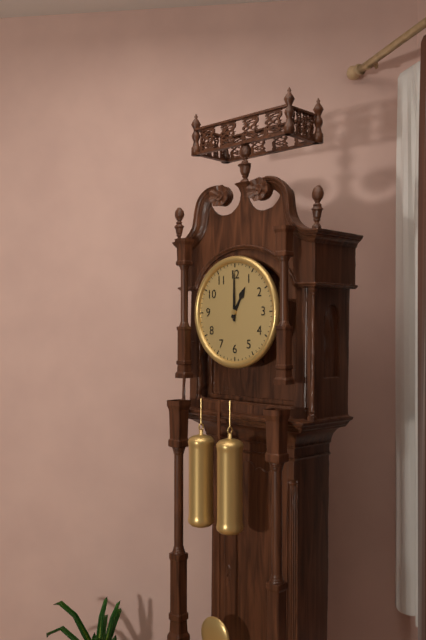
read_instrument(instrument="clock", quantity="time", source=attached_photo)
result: 1:00
